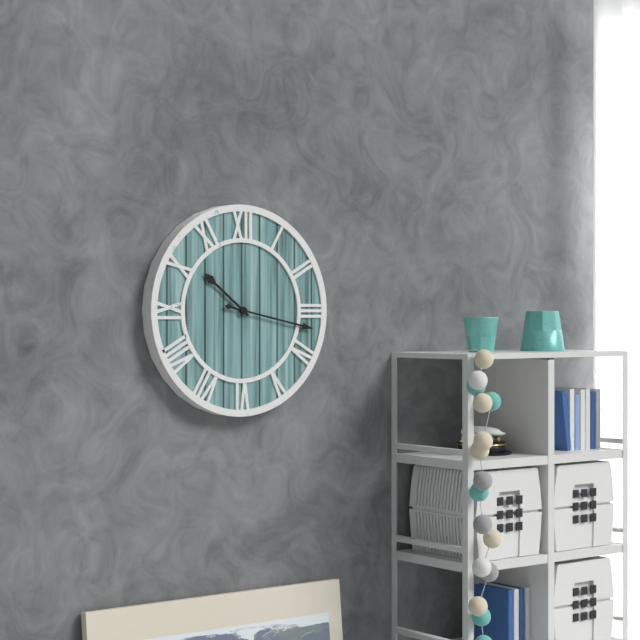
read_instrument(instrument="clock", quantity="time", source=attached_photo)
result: 10:17
